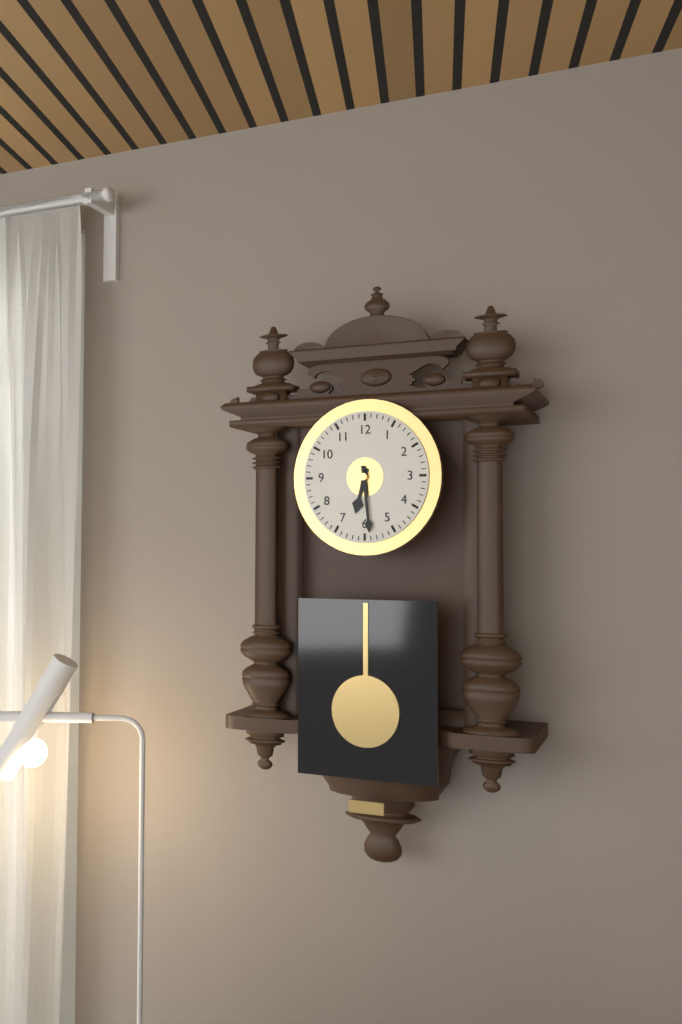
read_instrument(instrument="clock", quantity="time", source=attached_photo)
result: 6:29
